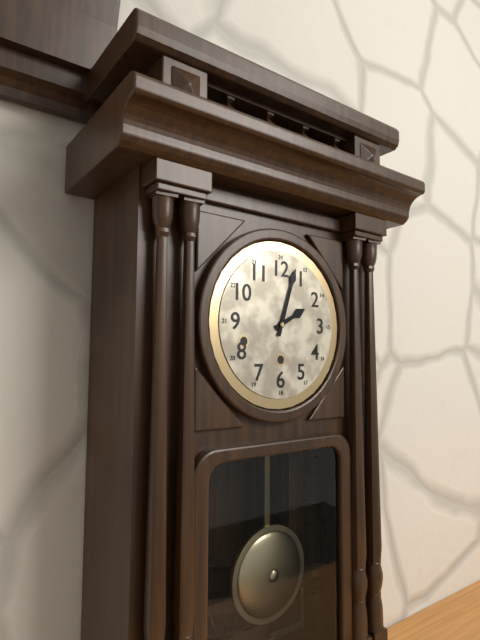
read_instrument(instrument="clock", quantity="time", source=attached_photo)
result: 2:03
